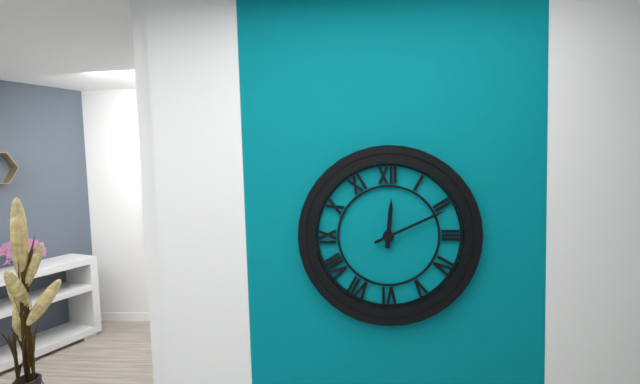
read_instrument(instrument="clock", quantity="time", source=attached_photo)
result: 12:11
